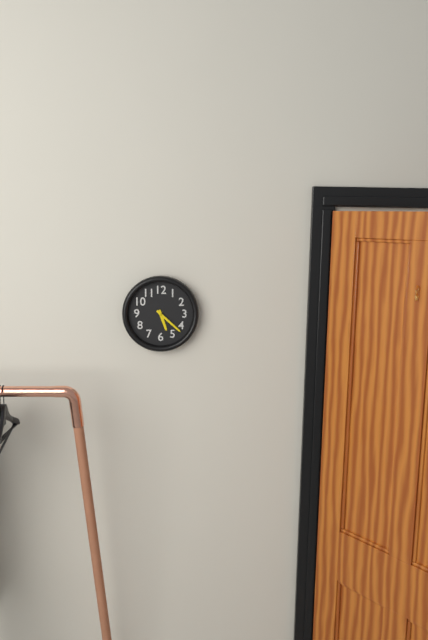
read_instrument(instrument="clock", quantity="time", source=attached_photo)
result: 5:22
